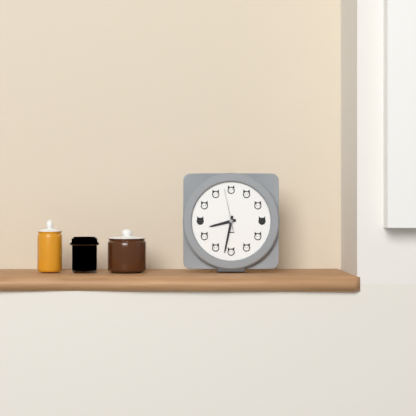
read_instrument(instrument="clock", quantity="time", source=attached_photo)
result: 8:32
